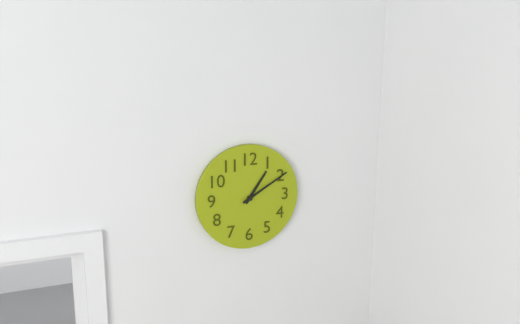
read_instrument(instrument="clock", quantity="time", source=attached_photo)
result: 1:10
